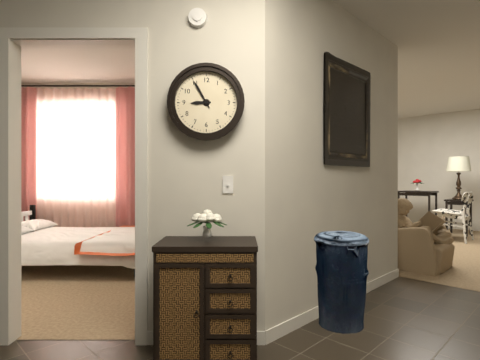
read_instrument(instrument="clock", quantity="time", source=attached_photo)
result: 8:55
